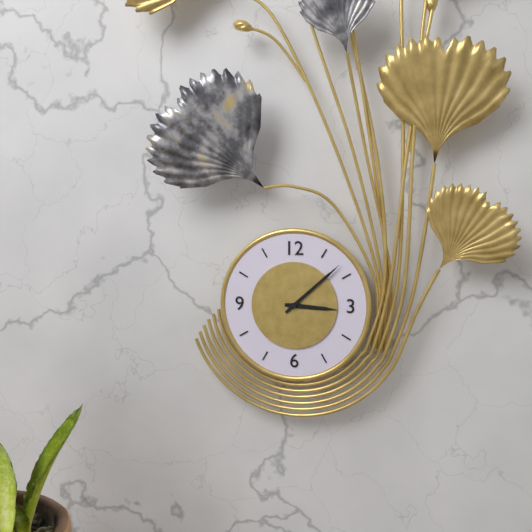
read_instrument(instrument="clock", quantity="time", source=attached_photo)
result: 3:08
